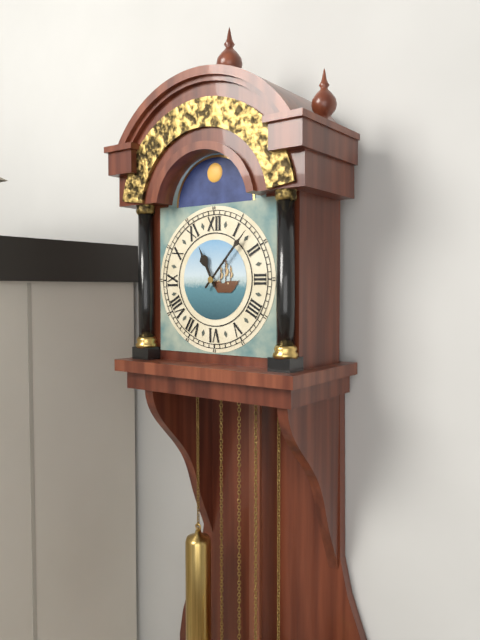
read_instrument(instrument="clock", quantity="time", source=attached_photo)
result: 11:07
